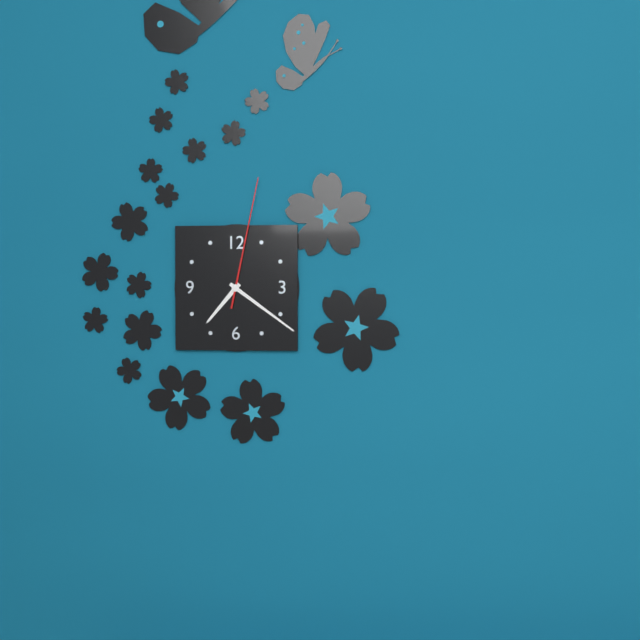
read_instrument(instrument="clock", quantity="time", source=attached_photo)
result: 7:21:02
